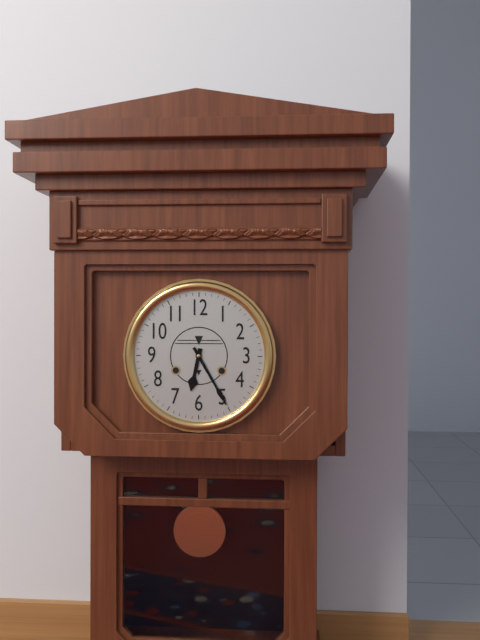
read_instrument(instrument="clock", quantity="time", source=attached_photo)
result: 6:25
